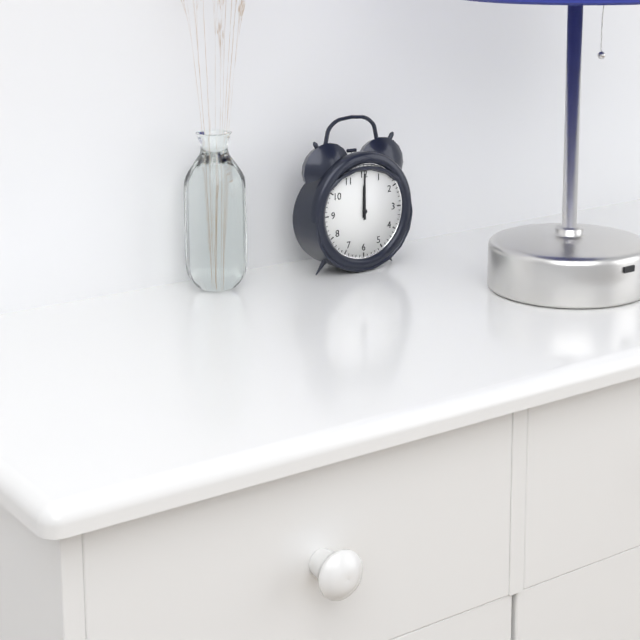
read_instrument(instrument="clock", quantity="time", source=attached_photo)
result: 12:00
